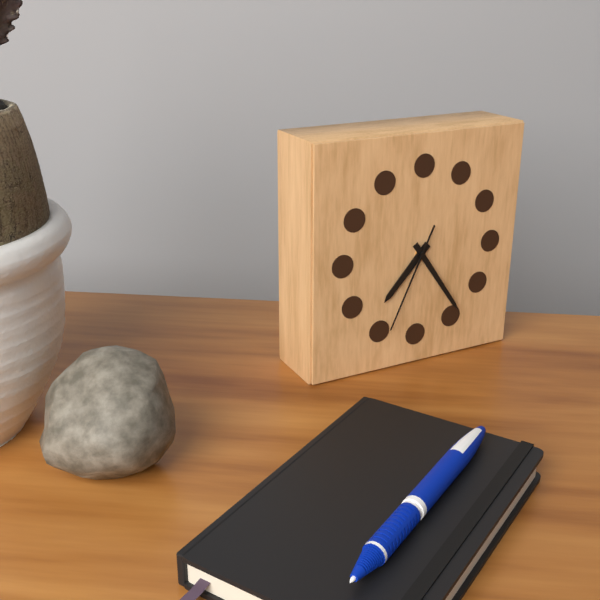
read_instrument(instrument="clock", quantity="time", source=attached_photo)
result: 7:24:34
